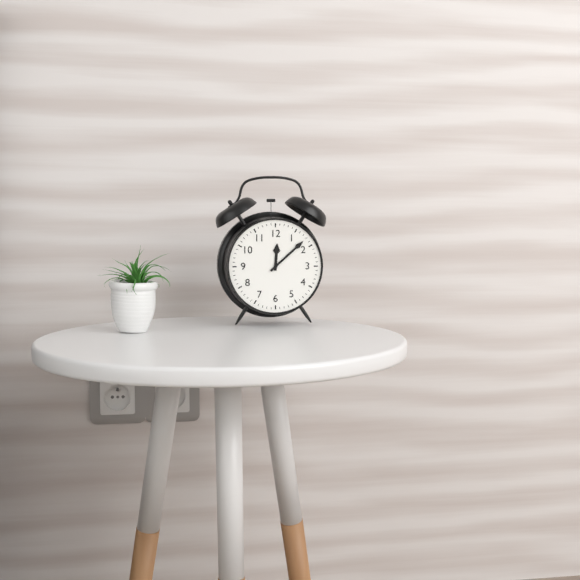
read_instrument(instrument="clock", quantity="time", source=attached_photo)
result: 12:08
